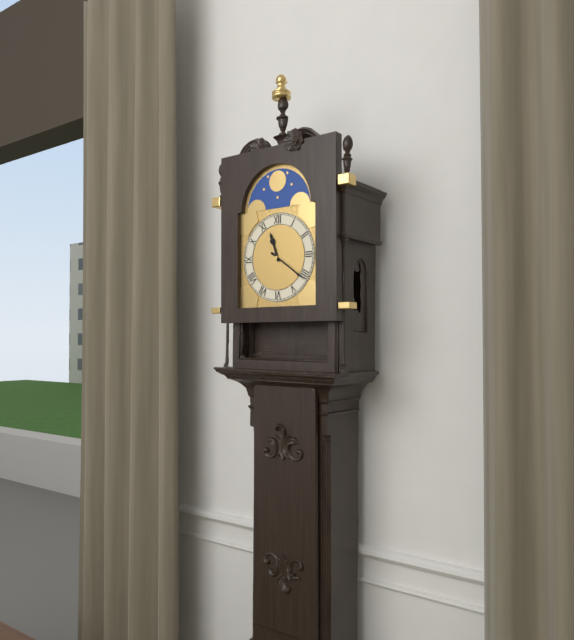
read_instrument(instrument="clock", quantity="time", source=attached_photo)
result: 11:21
